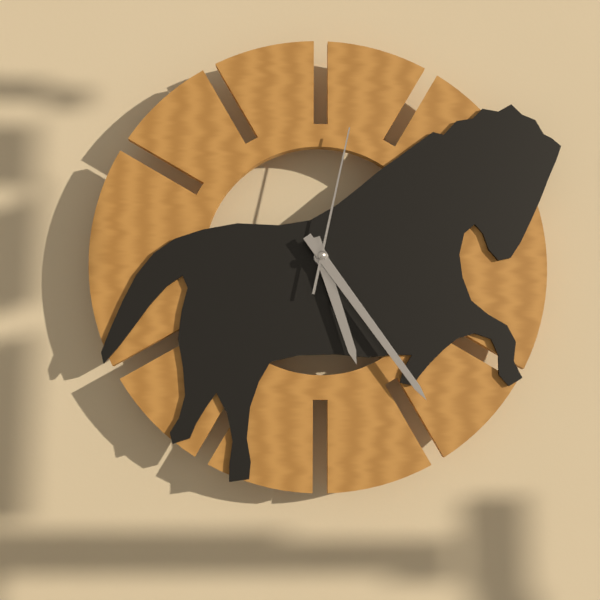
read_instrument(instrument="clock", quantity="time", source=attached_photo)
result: 5:24:02
